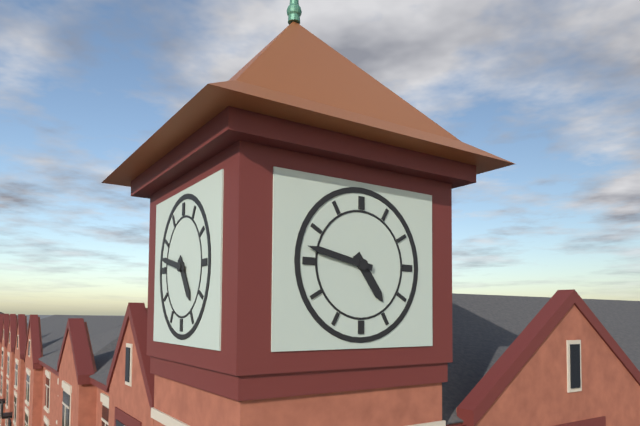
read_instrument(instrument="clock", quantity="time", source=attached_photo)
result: 4:47
